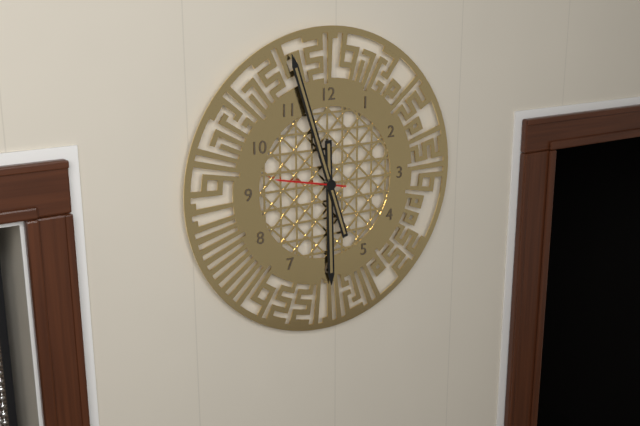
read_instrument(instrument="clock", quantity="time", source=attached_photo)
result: 5:57:47
